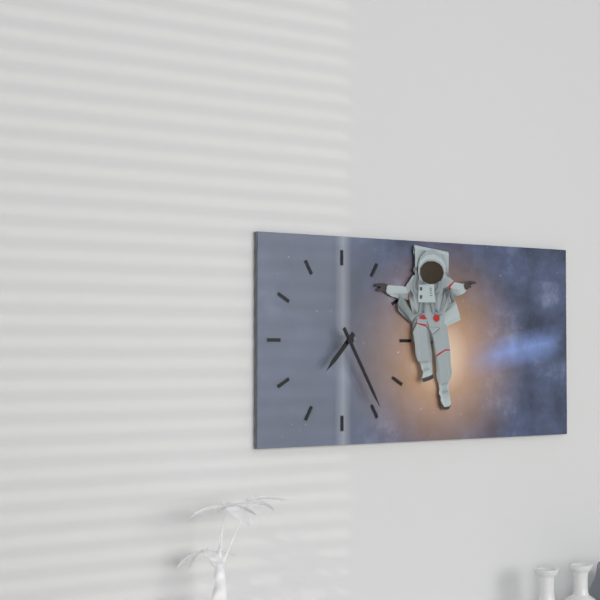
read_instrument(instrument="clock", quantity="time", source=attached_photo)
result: 7:25
